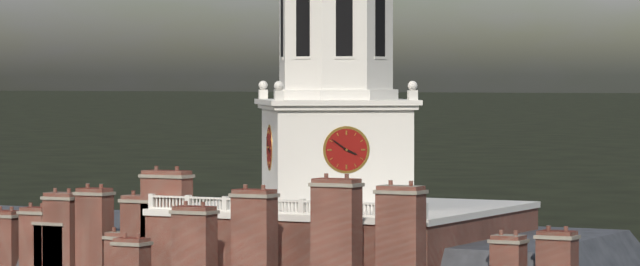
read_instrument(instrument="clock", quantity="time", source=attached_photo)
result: 3:51
